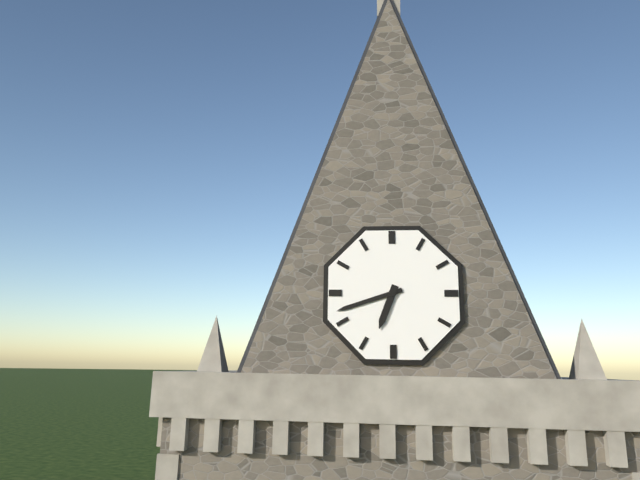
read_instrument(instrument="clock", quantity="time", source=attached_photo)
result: 6:42
